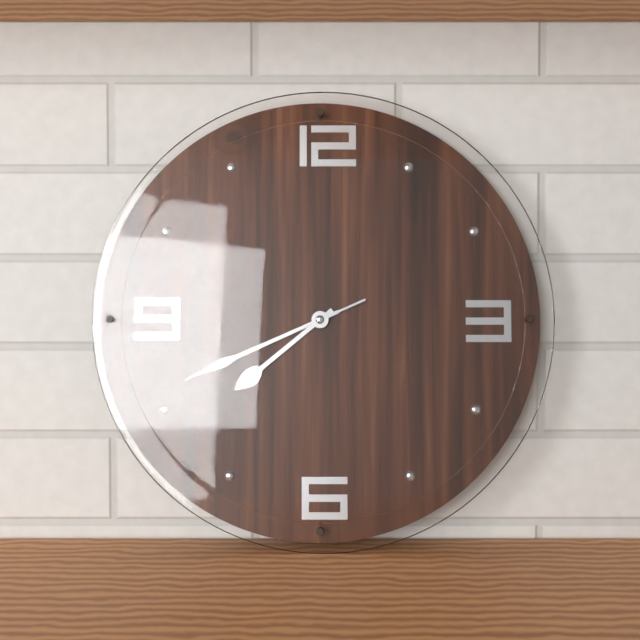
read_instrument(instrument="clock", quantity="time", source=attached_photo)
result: 7:41:41
